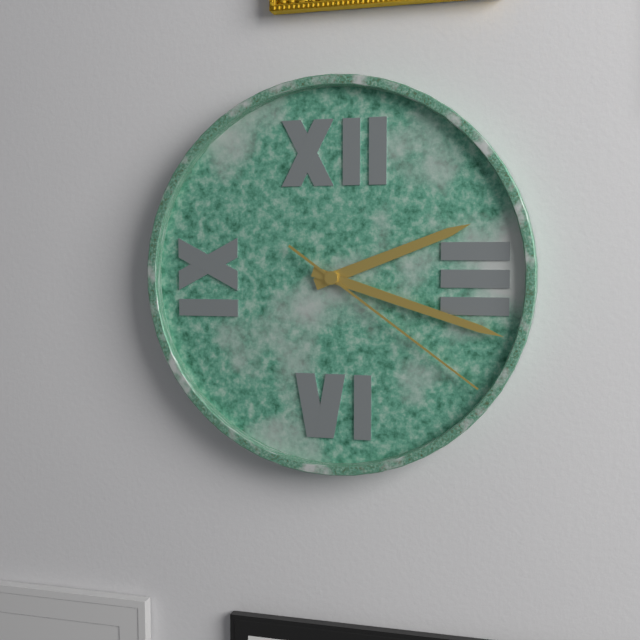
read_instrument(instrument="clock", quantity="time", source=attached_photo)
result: 2:18:21
